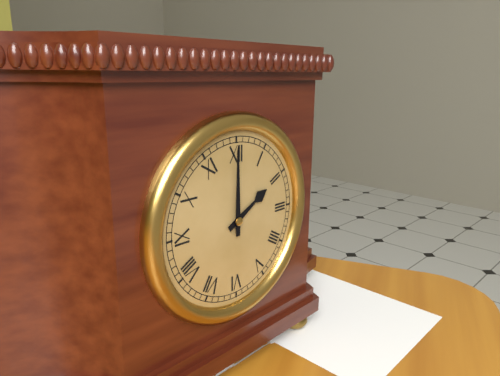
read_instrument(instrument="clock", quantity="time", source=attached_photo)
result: 2:00
